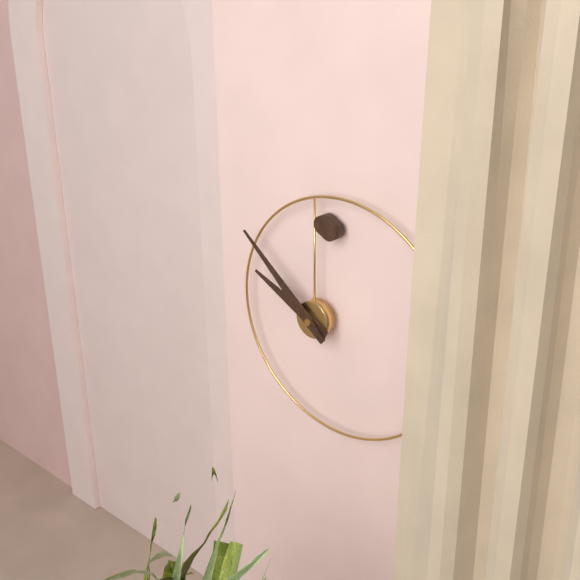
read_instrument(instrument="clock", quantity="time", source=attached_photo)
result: 9:52
